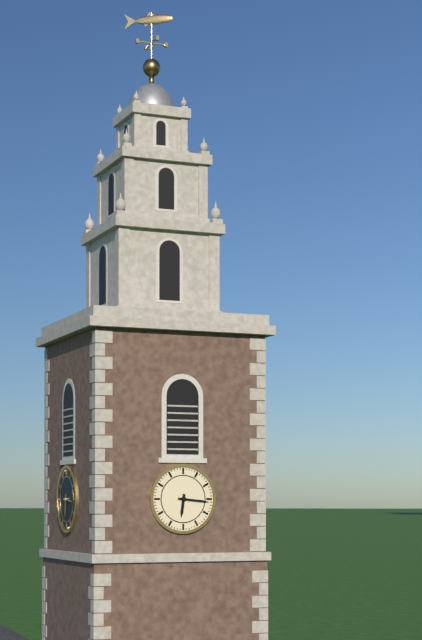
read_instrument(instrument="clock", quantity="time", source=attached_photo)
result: 6:16
